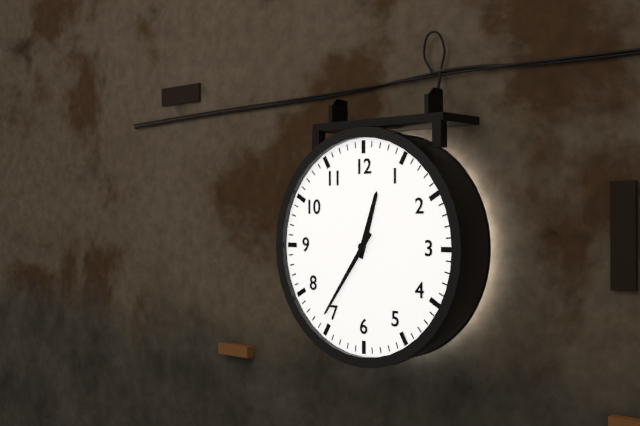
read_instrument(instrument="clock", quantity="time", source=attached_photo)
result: 12:36
